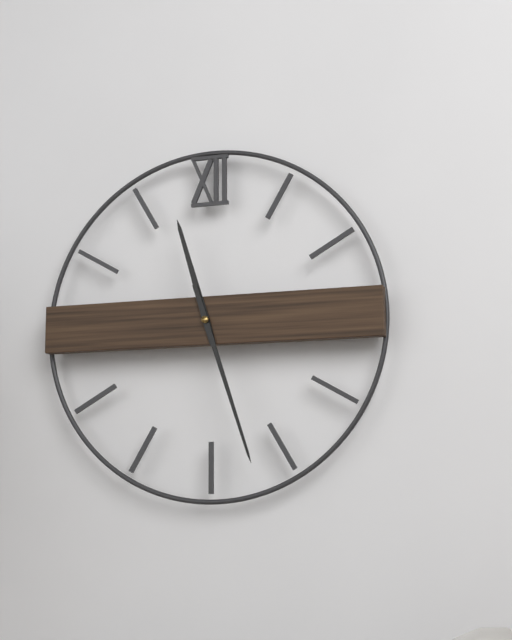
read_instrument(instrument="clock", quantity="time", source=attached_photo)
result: 11:27
